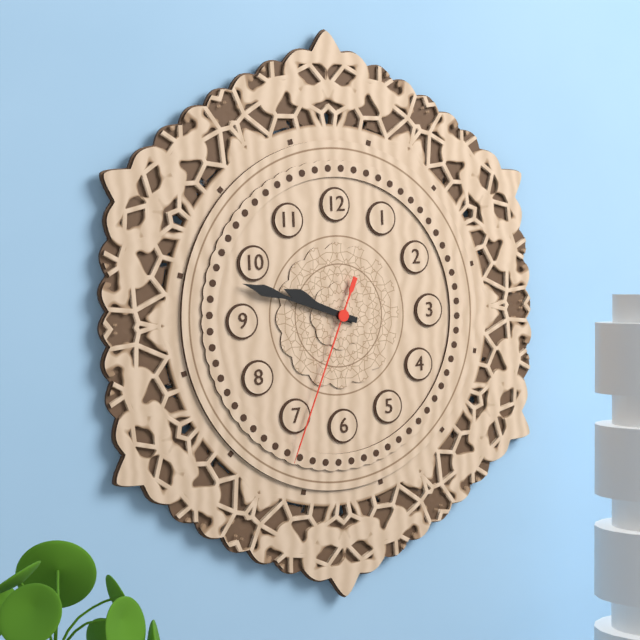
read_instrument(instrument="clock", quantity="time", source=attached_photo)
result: 9:48:34
